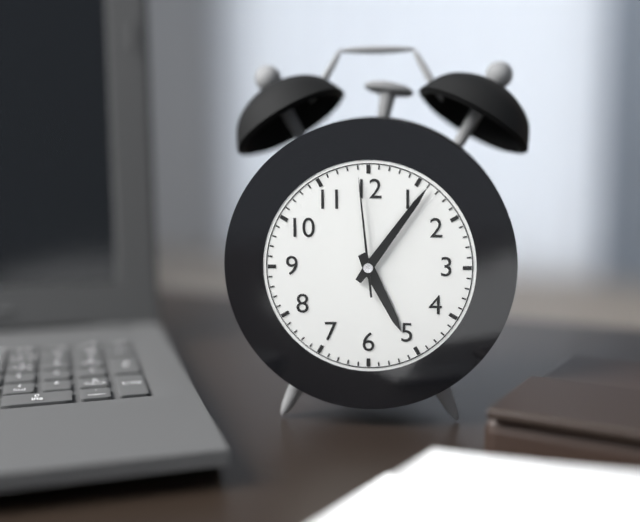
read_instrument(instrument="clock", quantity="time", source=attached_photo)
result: 5:06:59
